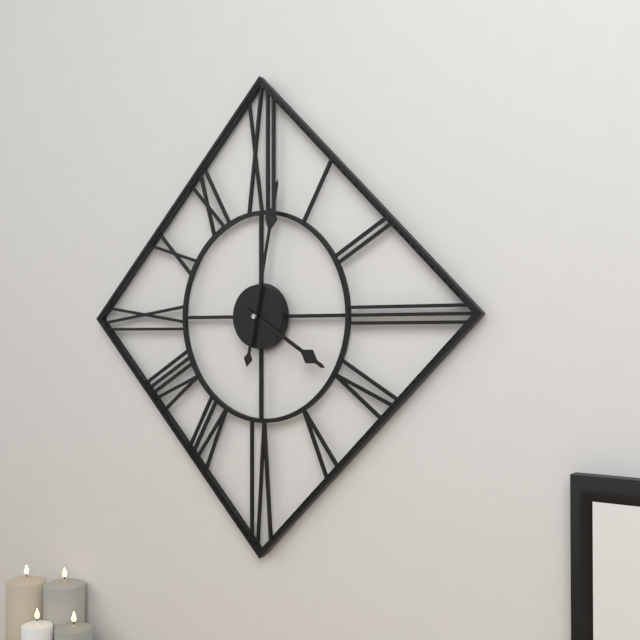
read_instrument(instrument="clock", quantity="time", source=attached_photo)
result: 4:02
